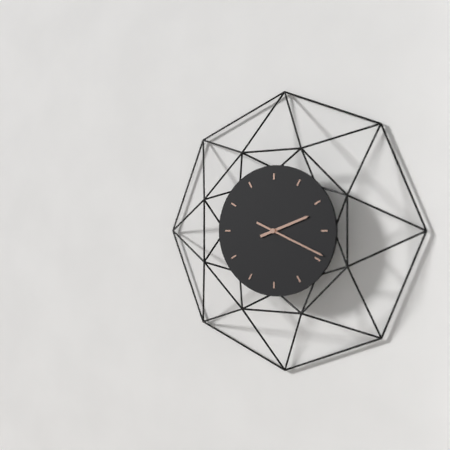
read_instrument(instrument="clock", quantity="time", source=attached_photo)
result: 2:19
